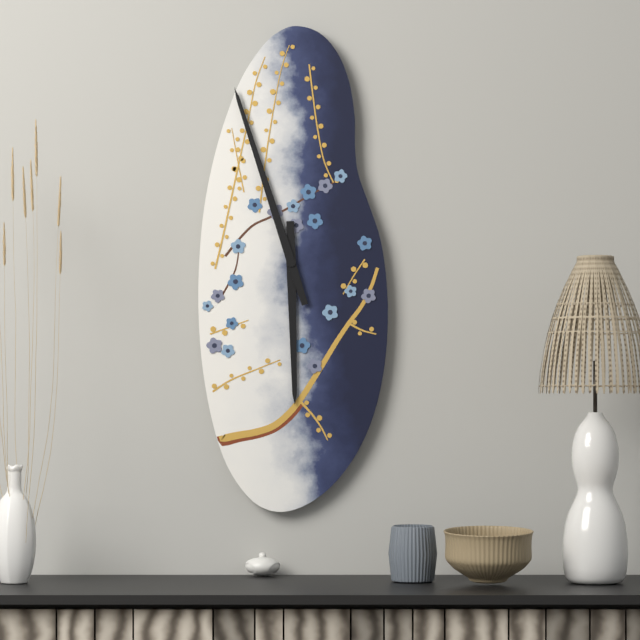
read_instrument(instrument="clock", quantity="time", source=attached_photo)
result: 5:57
